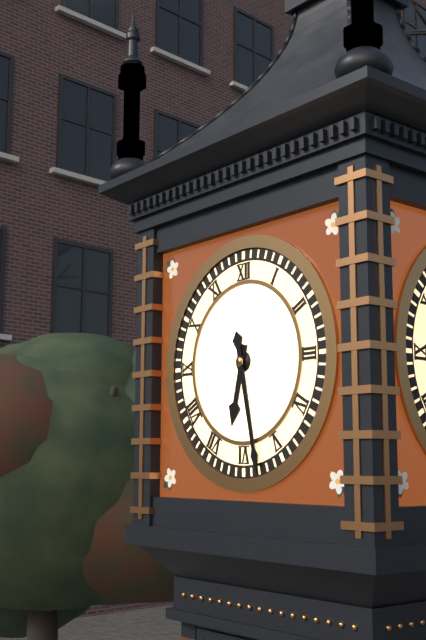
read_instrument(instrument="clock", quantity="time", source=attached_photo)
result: 6:28
